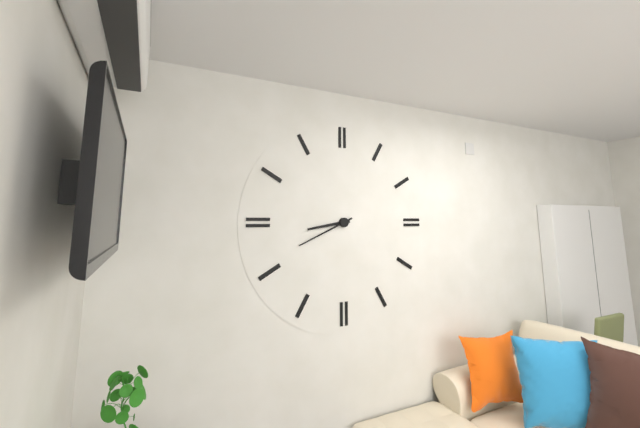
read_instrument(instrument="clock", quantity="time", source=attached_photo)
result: 8:41
